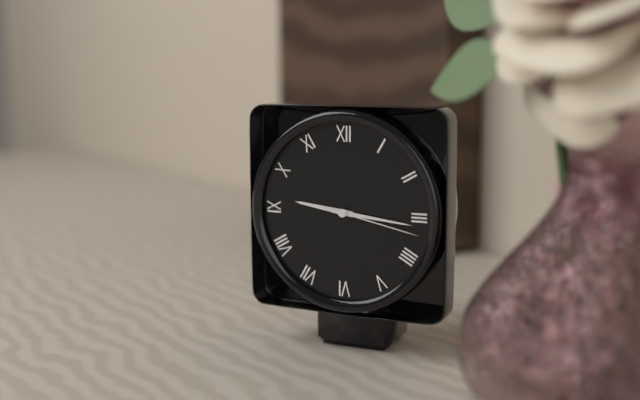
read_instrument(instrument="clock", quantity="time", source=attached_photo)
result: 9:16:17
